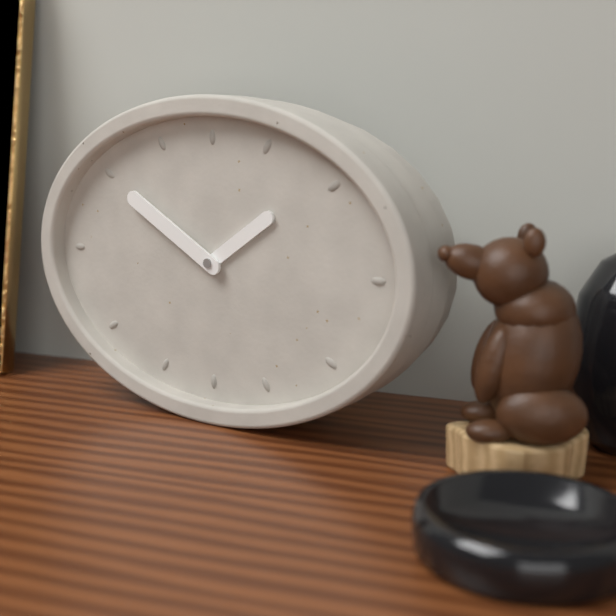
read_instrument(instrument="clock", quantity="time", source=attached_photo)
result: 1:50
